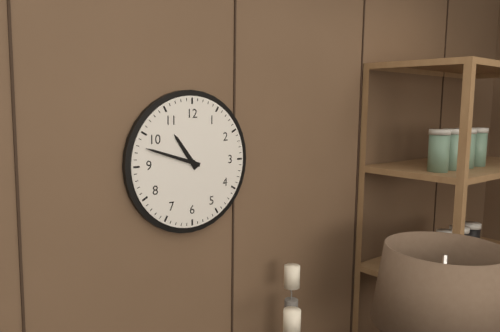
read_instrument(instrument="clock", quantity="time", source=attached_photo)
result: 10:48
